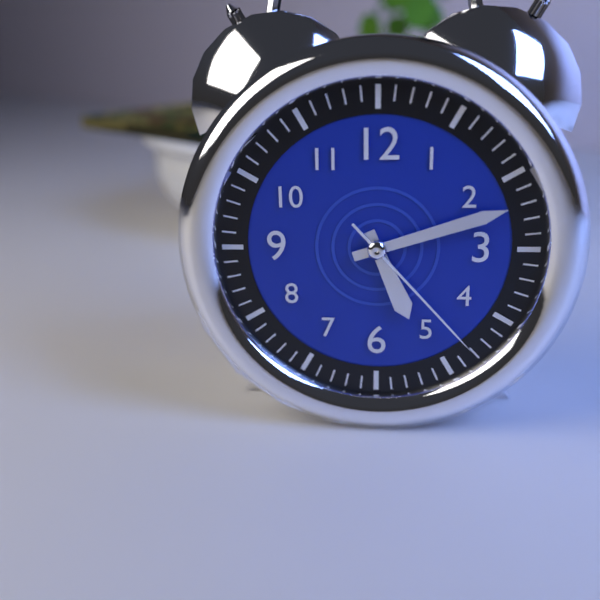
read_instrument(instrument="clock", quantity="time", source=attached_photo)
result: 5:12:23
